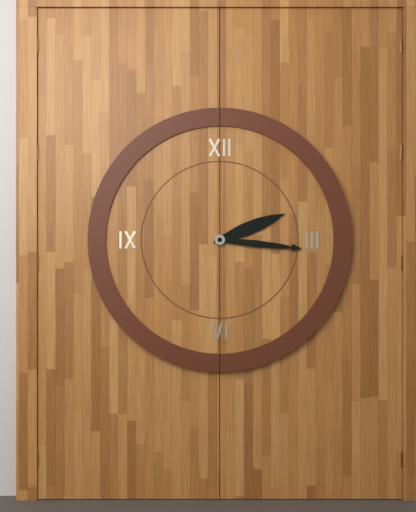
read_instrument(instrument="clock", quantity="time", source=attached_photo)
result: 2:16
